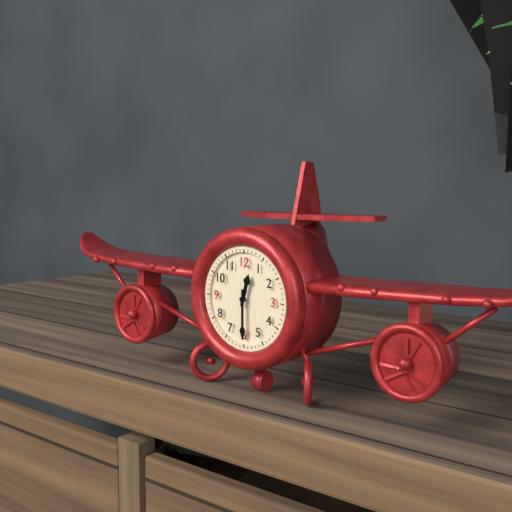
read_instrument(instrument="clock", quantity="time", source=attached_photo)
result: 12:30
